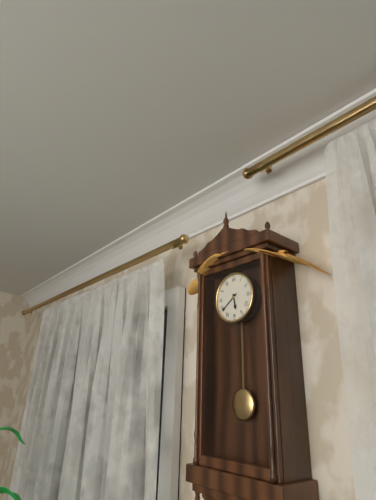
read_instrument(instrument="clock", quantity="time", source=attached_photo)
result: 5:39
